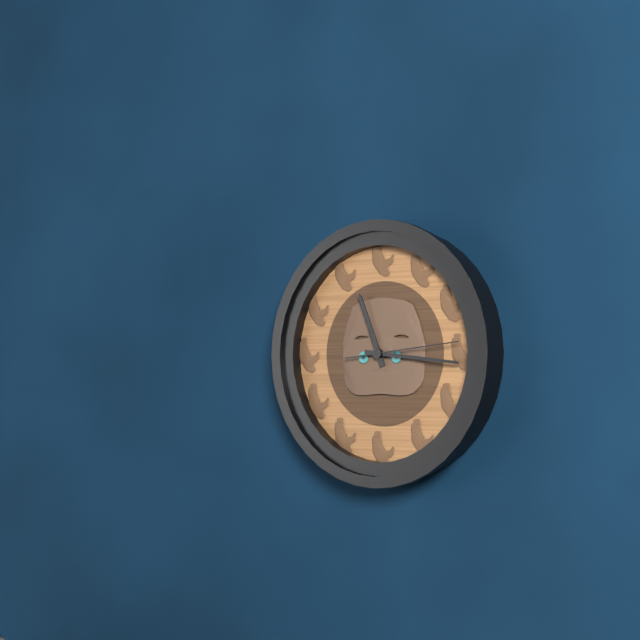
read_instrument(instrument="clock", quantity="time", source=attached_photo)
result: 11:16:14
